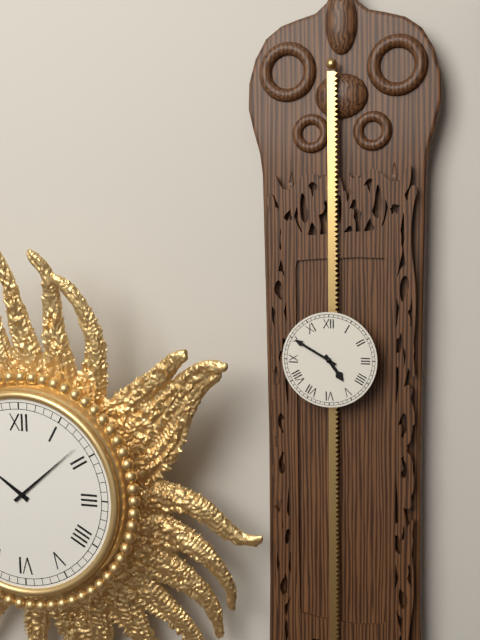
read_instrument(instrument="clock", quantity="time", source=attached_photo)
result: 4:50
